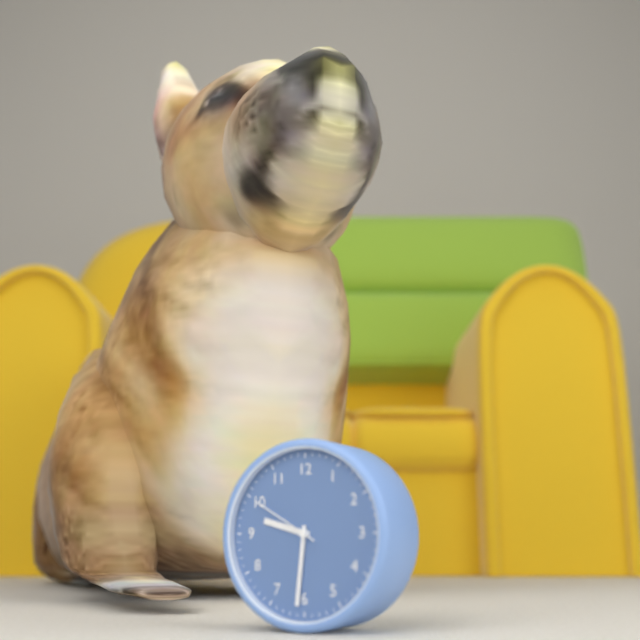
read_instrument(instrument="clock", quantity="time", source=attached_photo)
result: 9:31:50
